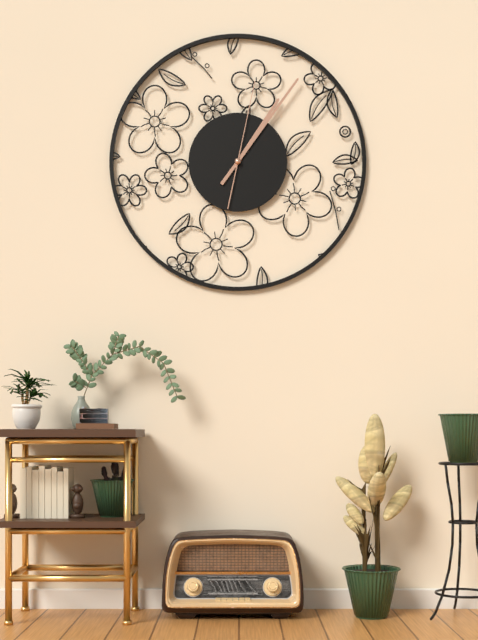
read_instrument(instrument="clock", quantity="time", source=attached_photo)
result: 1:06:02
